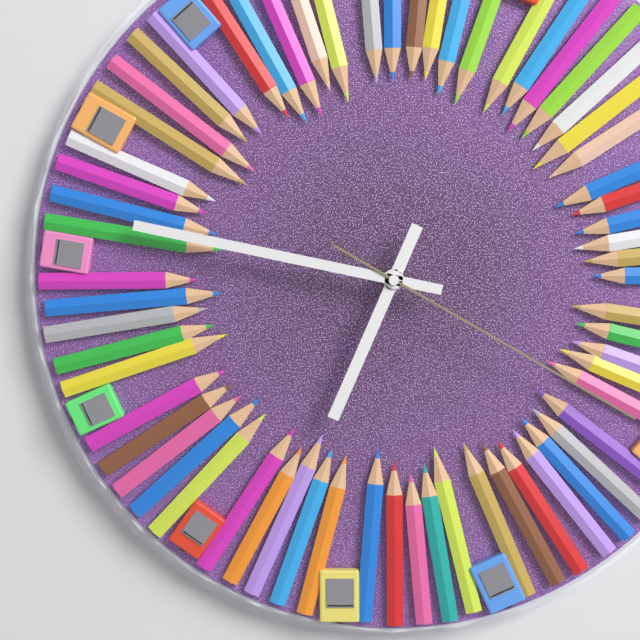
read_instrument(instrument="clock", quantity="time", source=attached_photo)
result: 6:47:20
